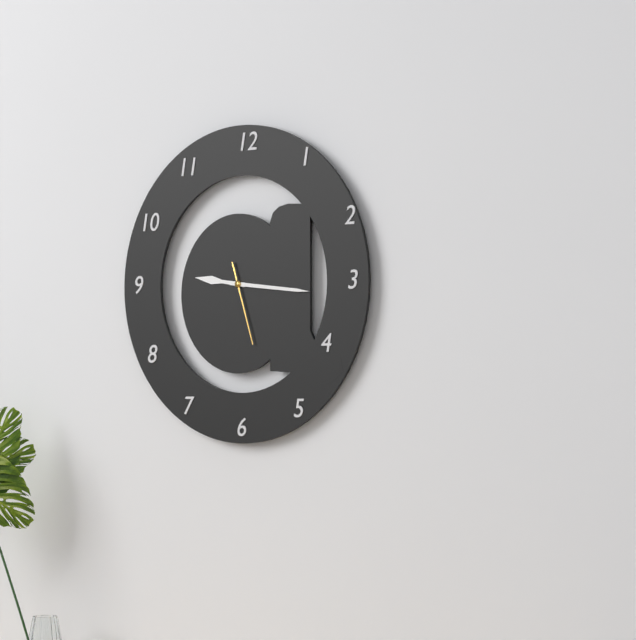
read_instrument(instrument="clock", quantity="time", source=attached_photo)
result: 9:16:27
